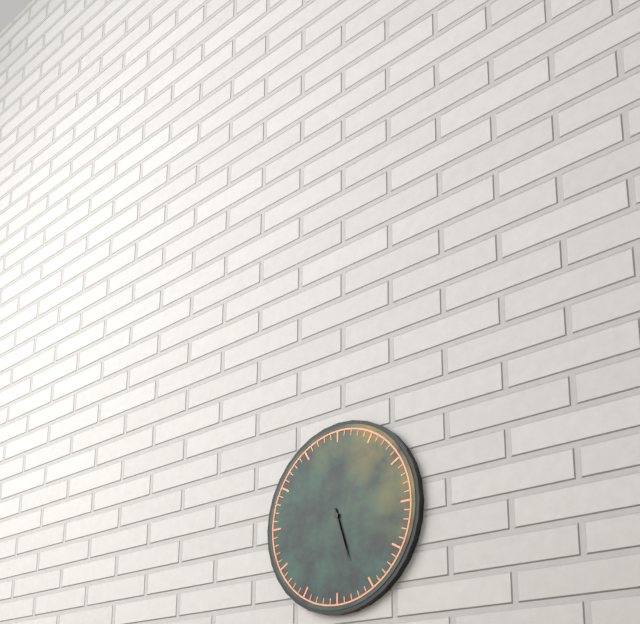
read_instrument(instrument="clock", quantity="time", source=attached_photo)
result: 5:27
